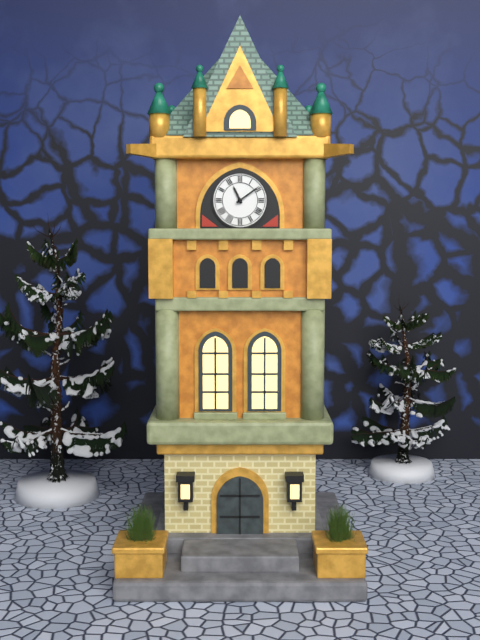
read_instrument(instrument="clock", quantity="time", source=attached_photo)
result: 11:09
